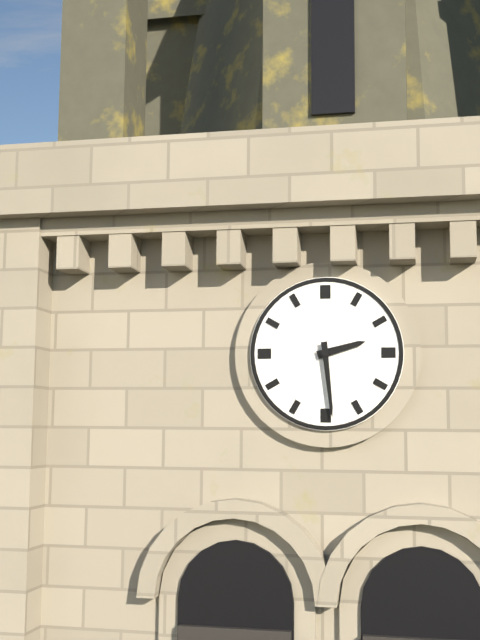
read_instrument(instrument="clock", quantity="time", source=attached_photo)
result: 2:29
